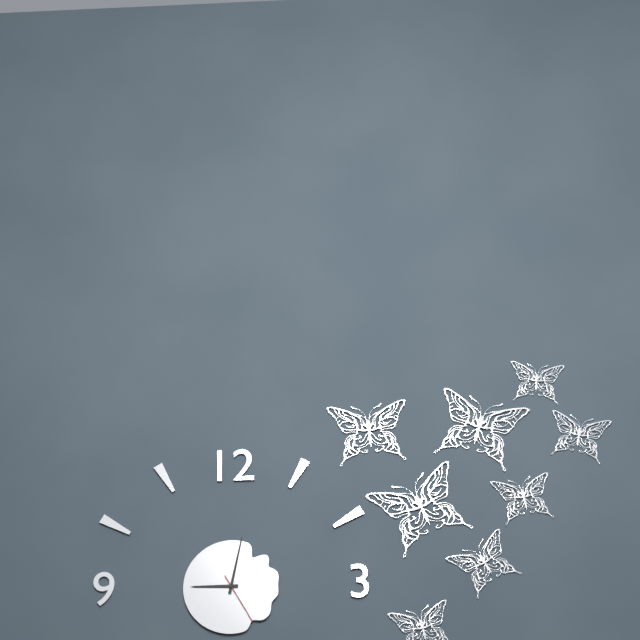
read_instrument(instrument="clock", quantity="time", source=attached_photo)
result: 9:02:25
